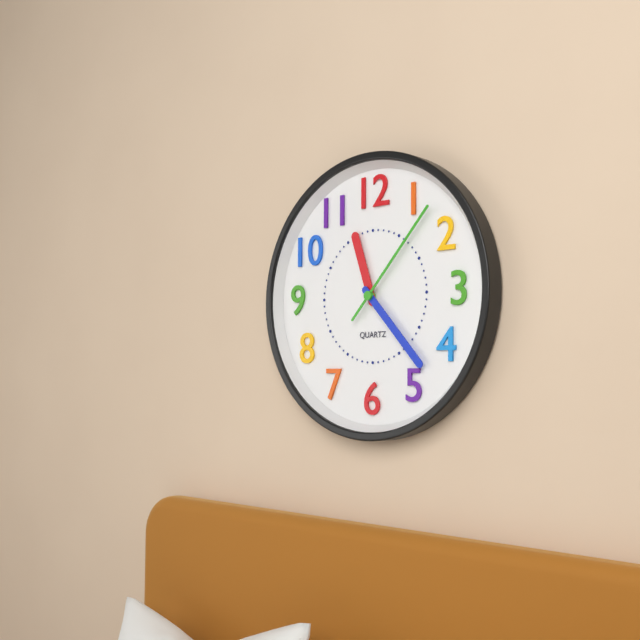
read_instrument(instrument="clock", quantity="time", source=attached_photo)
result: 11:23:07
